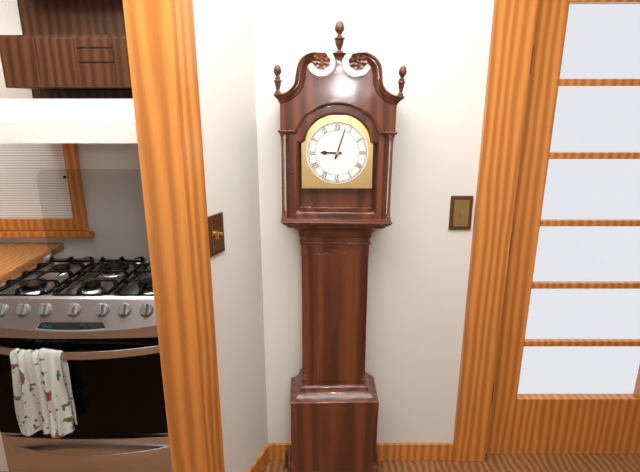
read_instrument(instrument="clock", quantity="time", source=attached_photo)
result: 9:03
